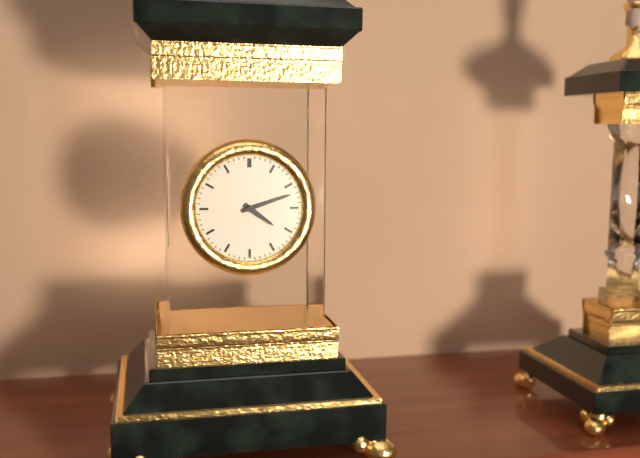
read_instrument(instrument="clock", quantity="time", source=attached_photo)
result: 4:12
